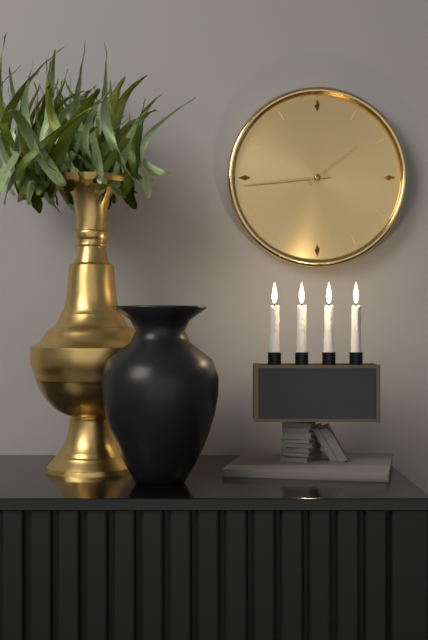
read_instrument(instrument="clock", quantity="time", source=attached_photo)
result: 1:44
